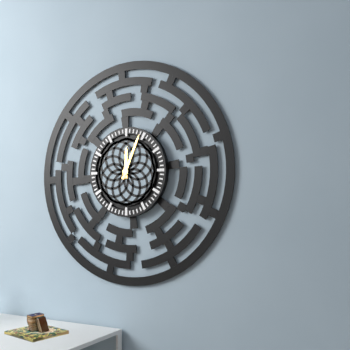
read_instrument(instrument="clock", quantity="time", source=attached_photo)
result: 12:04
